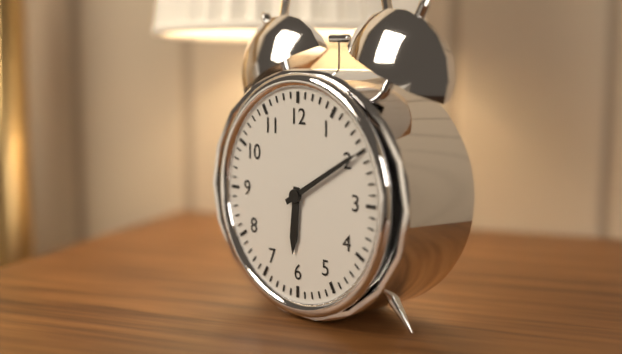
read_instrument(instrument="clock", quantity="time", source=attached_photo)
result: 6:10
